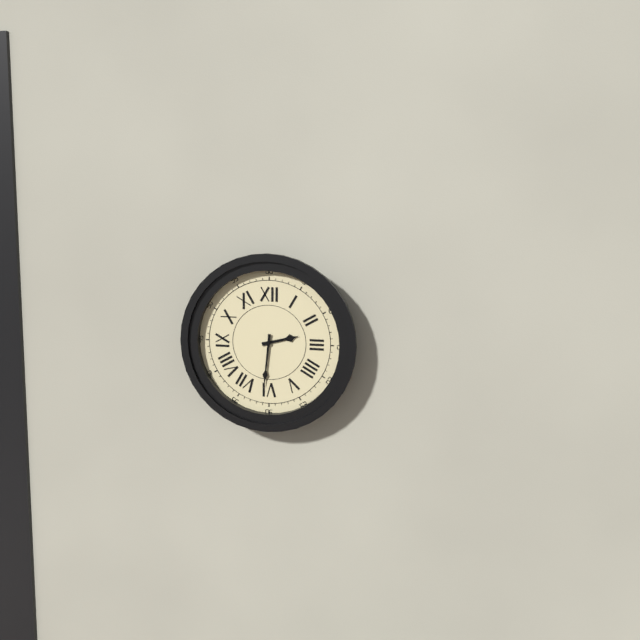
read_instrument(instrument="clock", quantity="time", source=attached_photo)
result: 2:31
